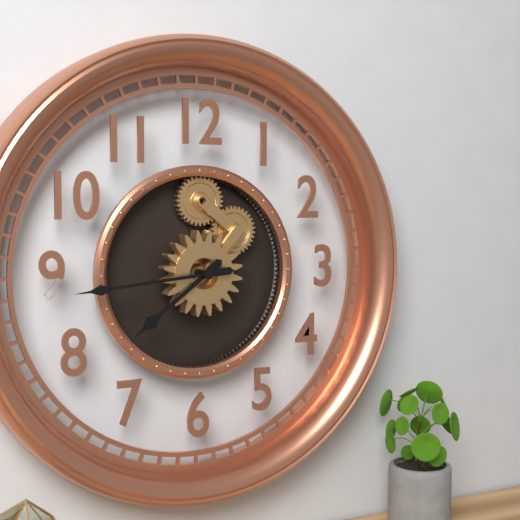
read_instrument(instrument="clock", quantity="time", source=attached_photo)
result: 7:44
